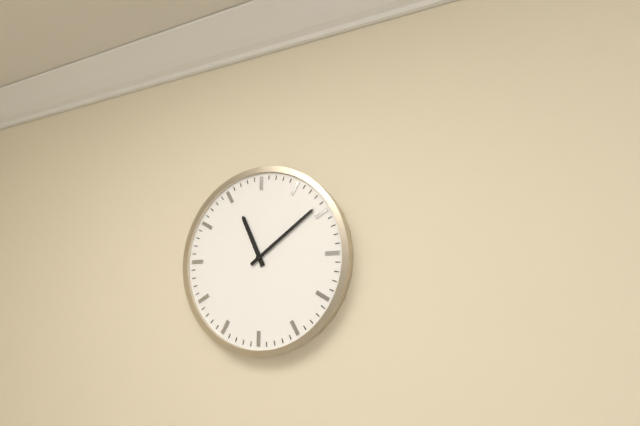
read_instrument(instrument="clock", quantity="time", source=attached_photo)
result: 11:09
